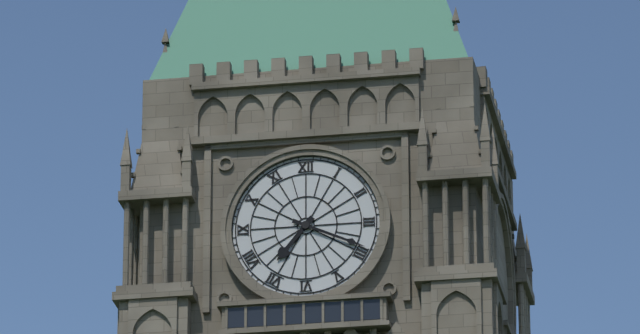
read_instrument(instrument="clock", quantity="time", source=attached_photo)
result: 7:19
